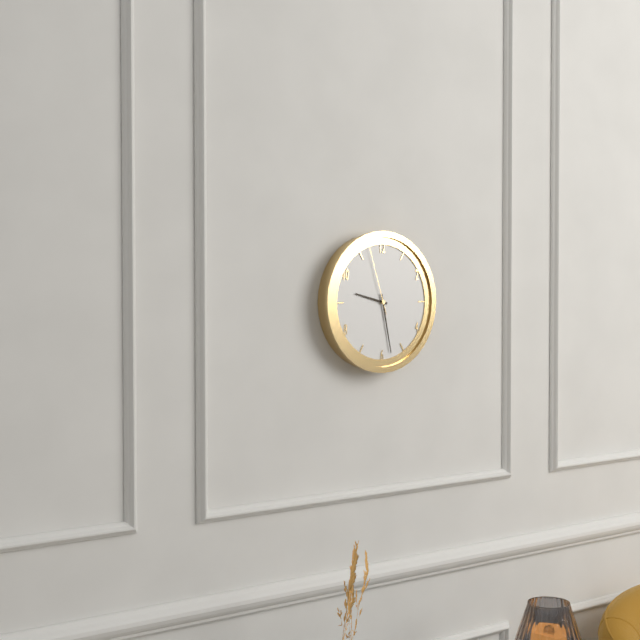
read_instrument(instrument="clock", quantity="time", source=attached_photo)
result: 9:28:57
